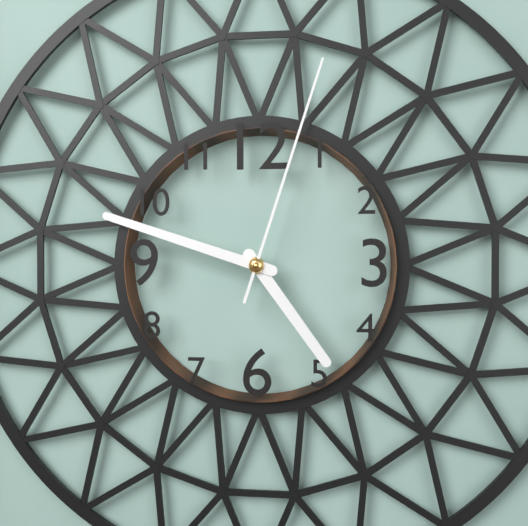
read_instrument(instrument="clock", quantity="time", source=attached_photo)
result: 4:48:03
